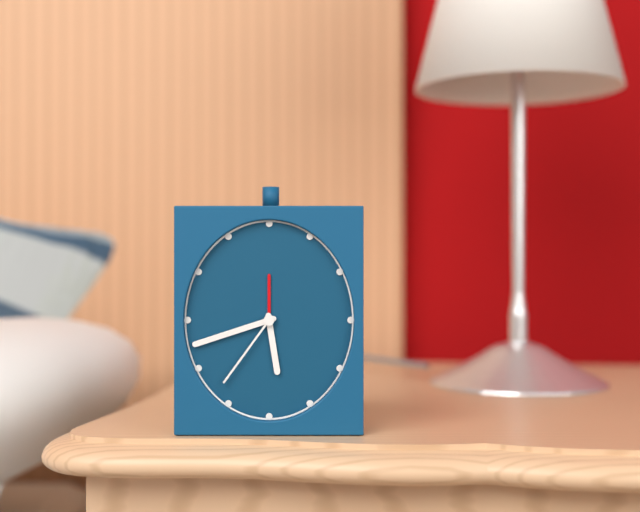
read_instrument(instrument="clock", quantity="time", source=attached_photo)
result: 5:42:36
